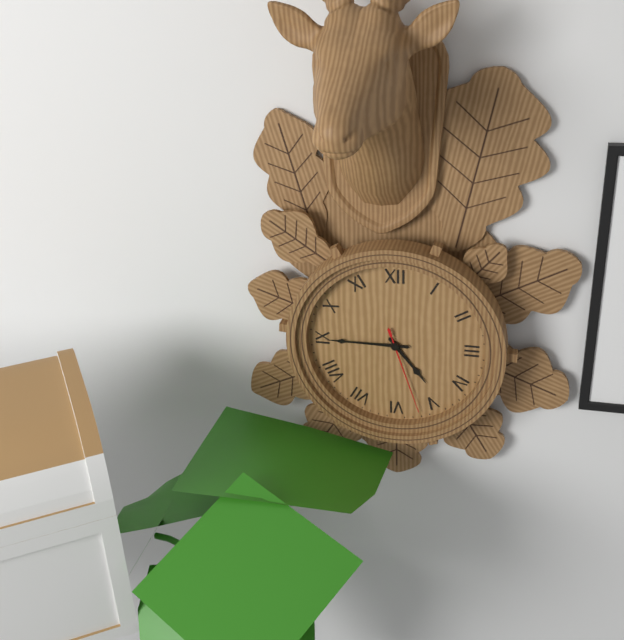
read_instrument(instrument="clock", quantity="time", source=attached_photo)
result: 4:45:27
